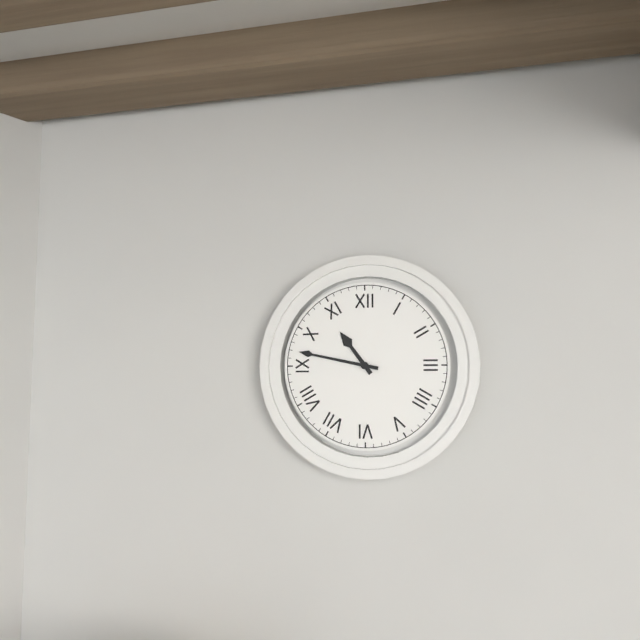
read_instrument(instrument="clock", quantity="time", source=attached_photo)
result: 10:47
